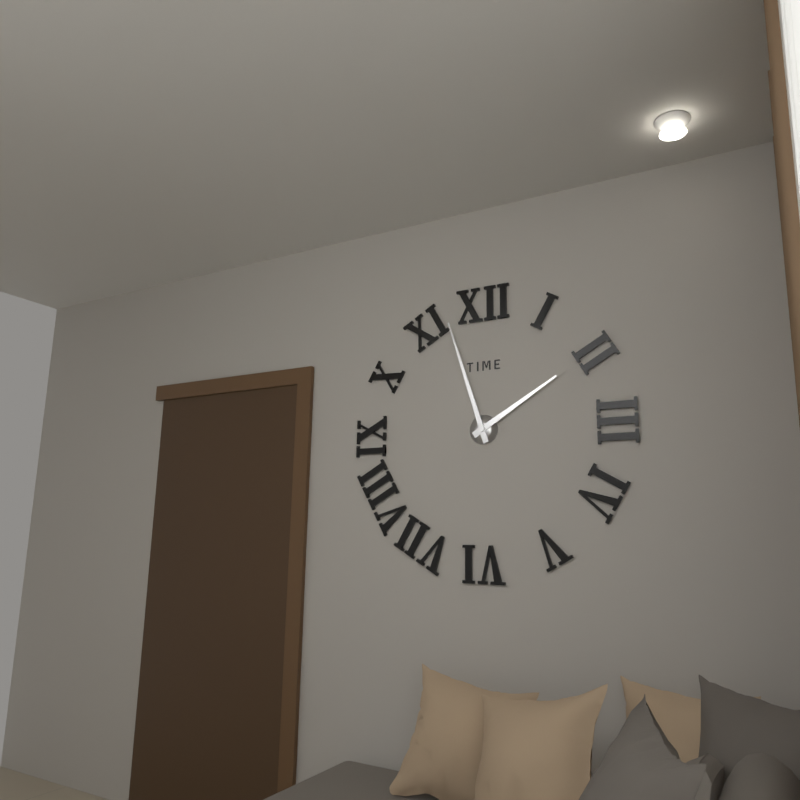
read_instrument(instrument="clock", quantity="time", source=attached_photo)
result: 1:57
